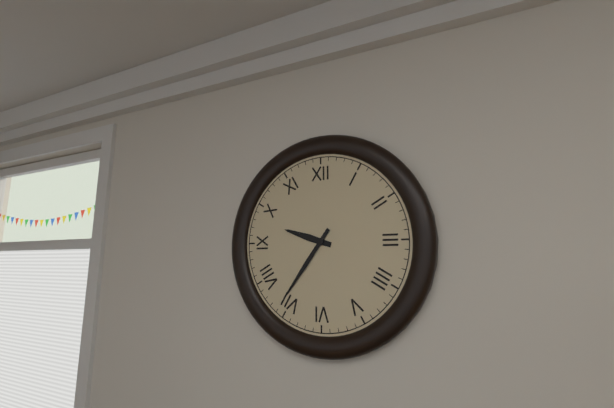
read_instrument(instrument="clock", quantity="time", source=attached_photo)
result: 9:36
